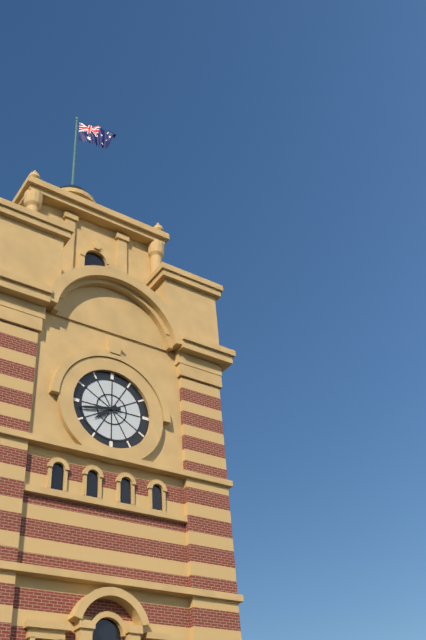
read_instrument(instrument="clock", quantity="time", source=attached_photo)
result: 7:43
